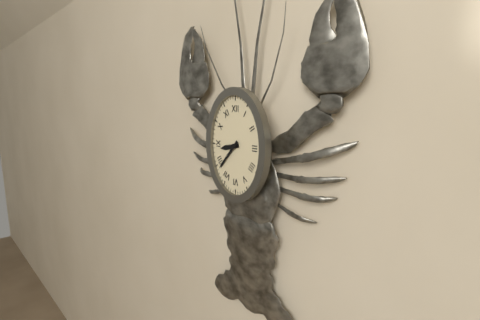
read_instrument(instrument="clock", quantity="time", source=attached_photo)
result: 8:37
